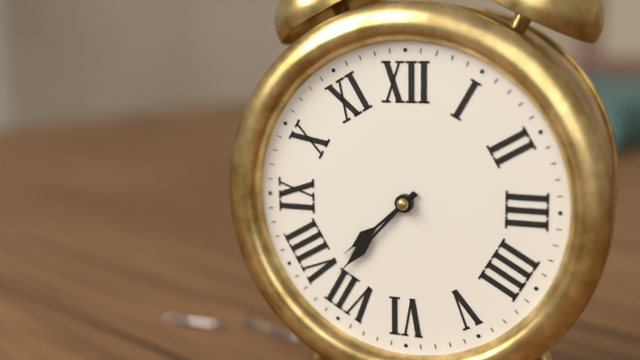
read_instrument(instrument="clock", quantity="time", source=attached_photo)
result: 7:37
